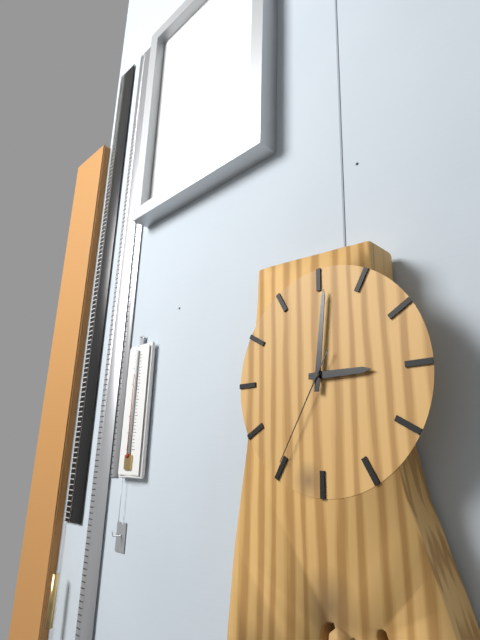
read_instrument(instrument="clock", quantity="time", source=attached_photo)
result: 3:01:35
